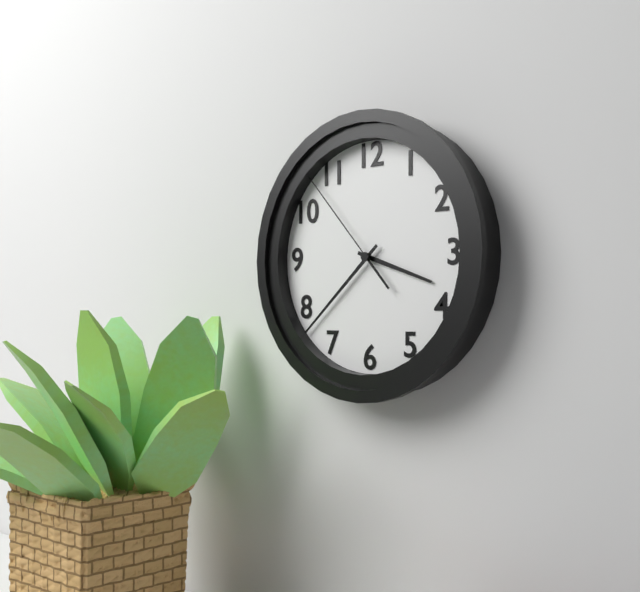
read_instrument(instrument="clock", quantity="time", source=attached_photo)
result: 3:38:53
